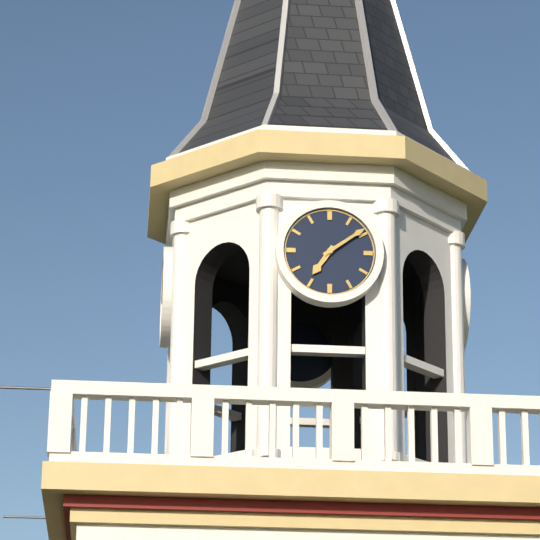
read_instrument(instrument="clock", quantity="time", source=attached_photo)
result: 7:09
